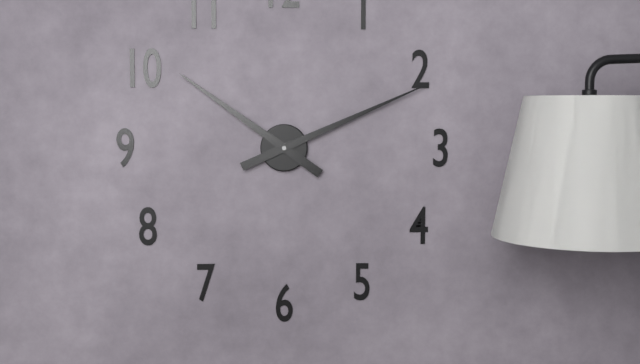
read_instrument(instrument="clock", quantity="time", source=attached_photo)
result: 10:11
